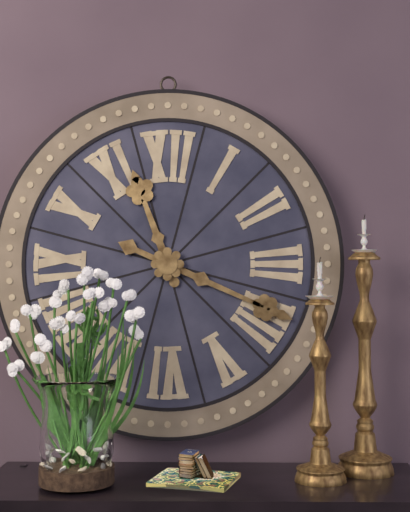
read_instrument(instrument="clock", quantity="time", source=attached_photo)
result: 11:19
